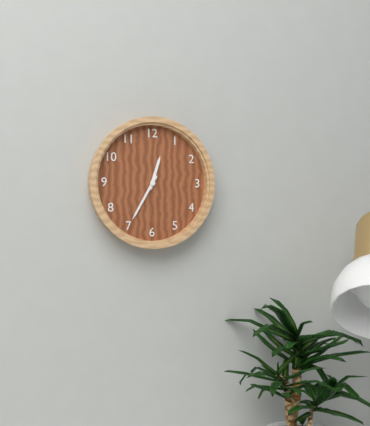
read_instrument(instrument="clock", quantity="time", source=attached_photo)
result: 12:35
